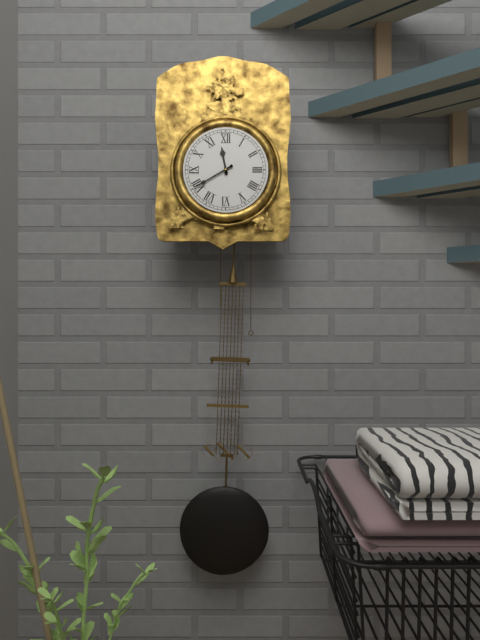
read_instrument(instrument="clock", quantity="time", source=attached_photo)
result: 11:40
